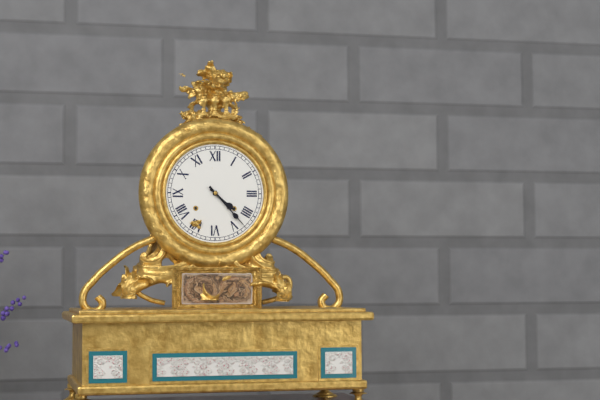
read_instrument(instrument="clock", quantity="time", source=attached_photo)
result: 4:23
